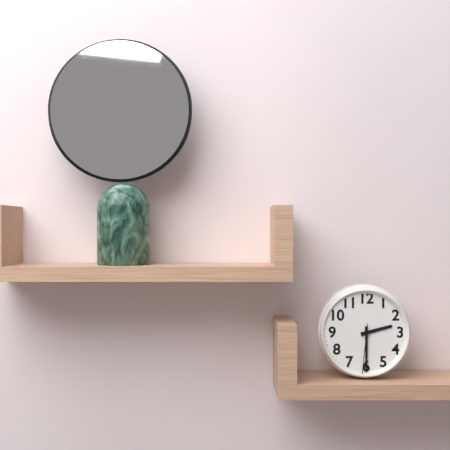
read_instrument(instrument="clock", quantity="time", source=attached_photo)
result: 2:30:31
